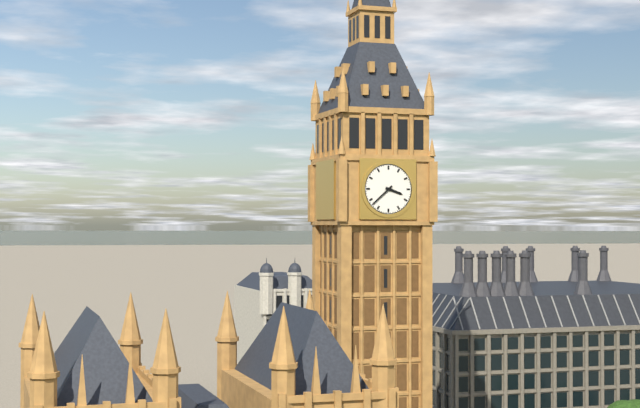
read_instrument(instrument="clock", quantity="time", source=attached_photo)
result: 3:38
